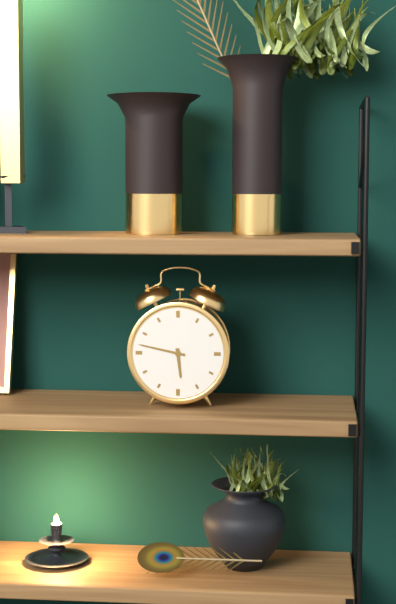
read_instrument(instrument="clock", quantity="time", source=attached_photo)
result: 5:47
